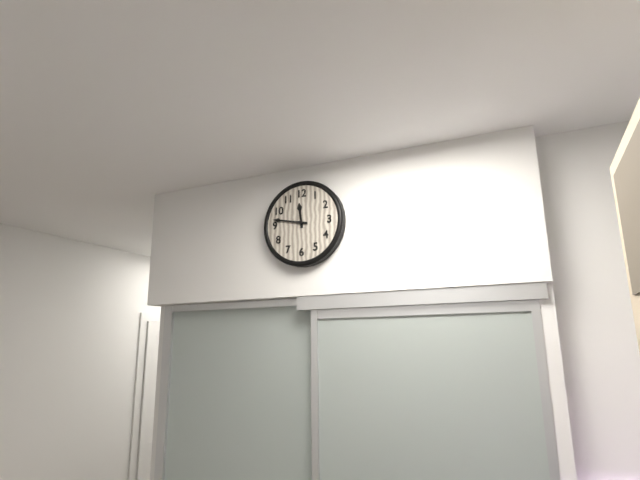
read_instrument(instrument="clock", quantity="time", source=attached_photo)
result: 11:47
